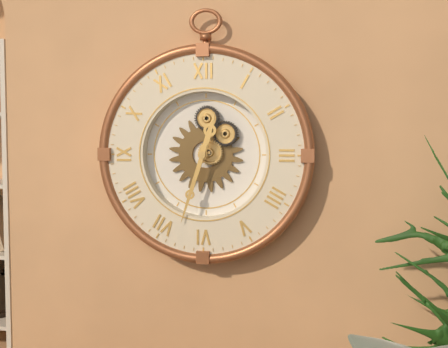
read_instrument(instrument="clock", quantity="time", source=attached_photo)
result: 12:33
